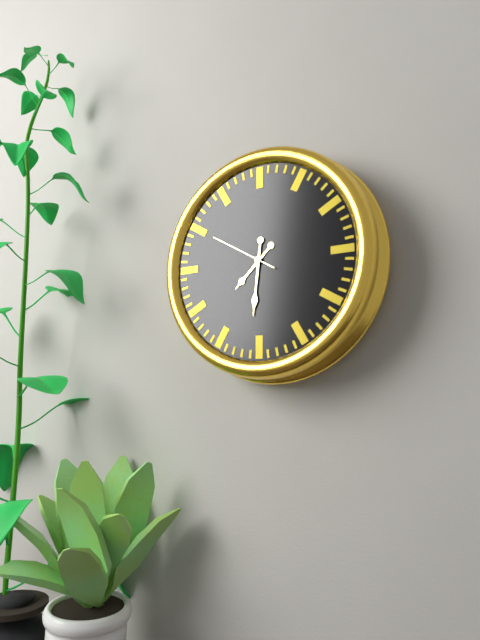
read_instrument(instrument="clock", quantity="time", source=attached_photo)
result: 7:31:50
